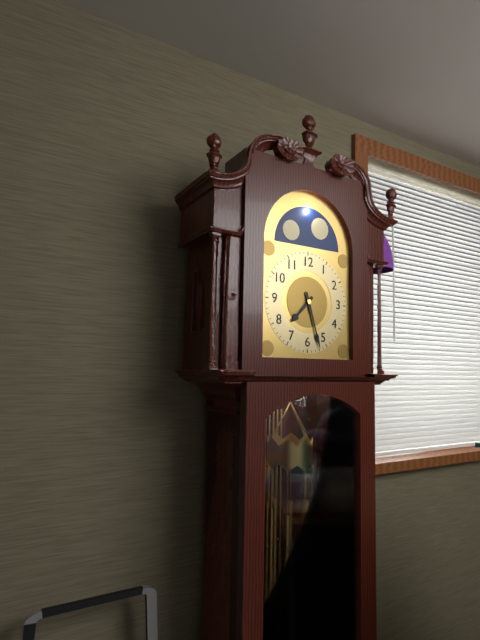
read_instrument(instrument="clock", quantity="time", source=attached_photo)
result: 7:27
